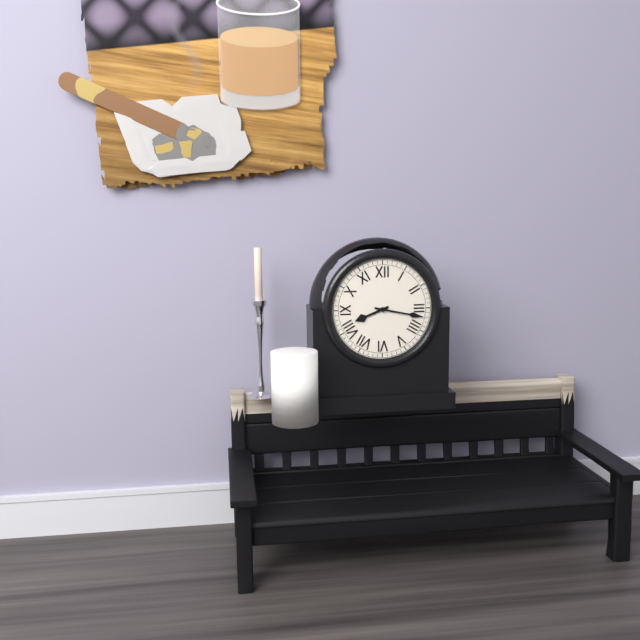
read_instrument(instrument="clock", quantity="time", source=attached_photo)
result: 8:17
